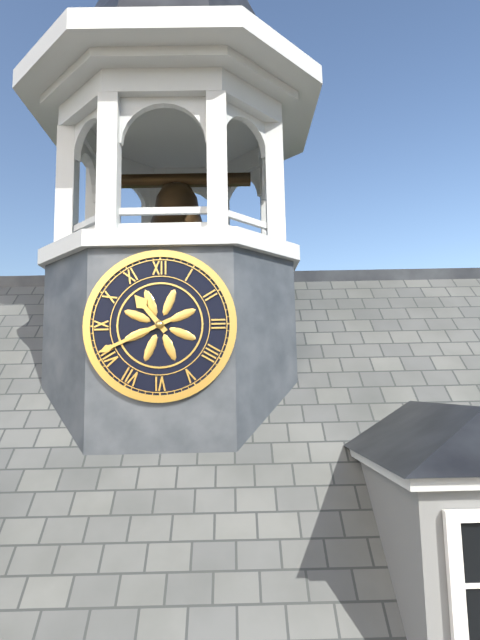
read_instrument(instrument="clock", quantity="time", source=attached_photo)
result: 10:41
